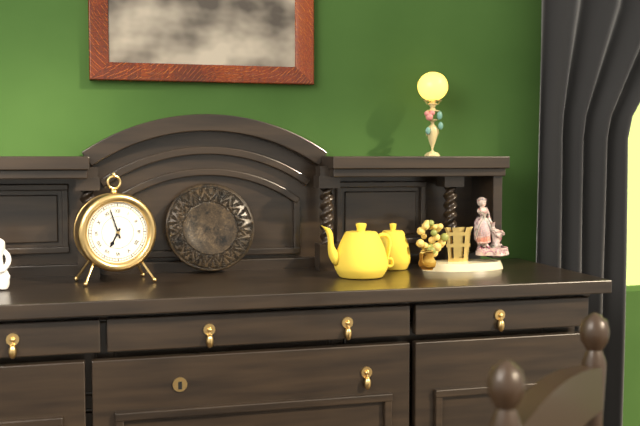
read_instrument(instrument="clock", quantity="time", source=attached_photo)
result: 6:57
